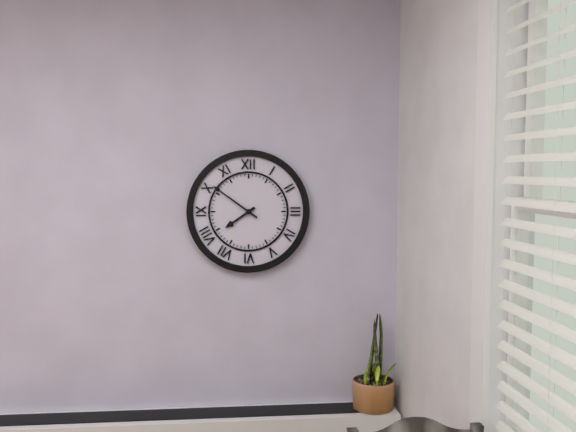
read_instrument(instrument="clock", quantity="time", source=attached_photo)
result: 7:51
